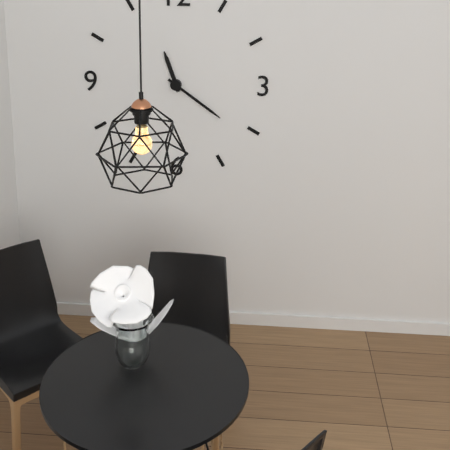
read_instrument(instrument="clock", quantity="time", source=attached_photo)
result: 11:21
